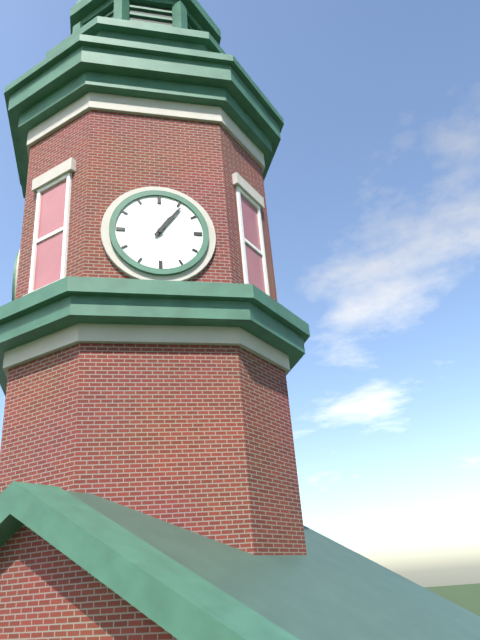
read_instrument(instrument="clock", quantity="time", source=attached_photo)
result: 1:06
